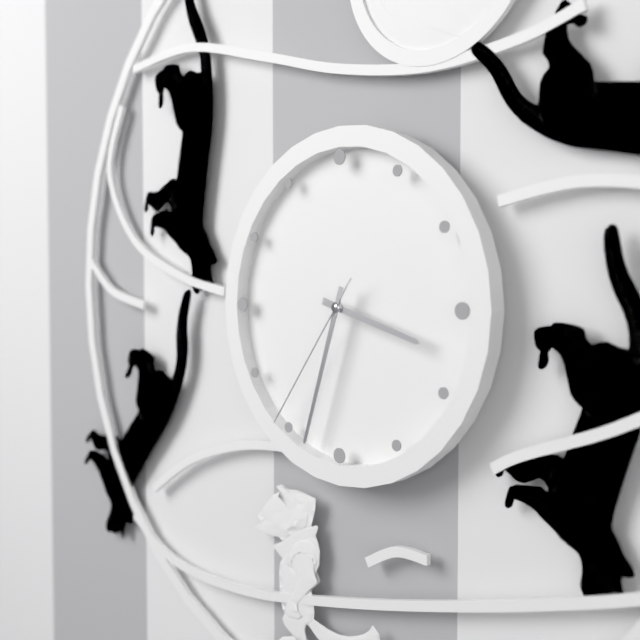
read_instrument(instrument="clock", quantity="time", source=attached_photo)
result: 3:33:36
